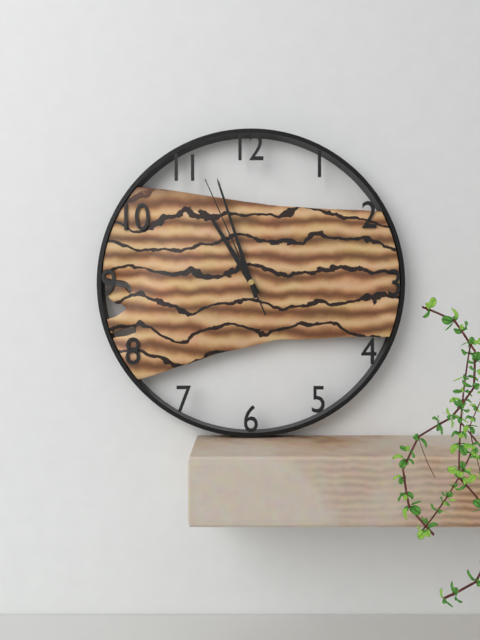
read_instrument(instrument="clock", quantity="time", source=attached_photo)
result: 10:57:56
